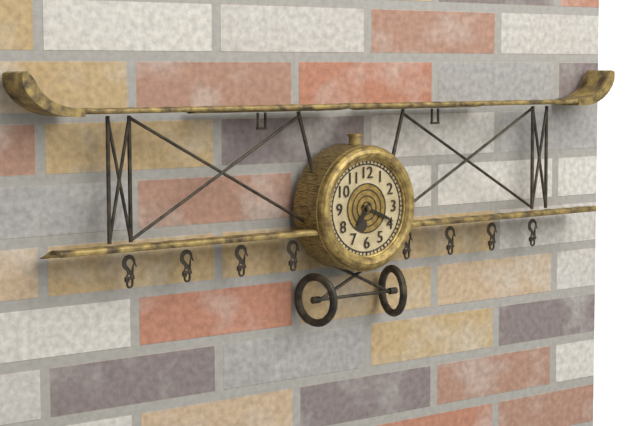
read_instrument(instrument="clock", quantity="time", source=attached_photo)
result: 7:19
